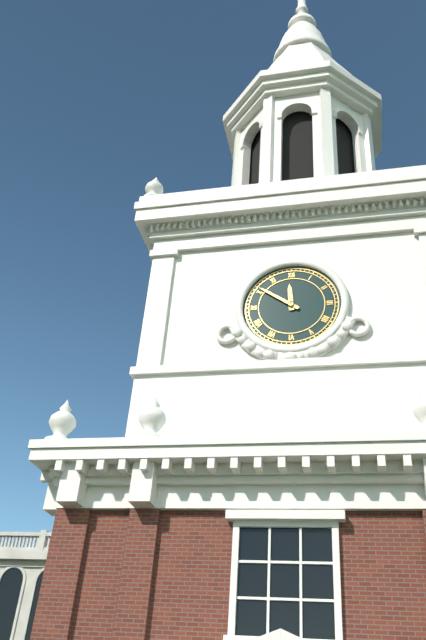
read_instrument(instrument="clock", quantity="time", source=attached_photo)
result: 11:51
